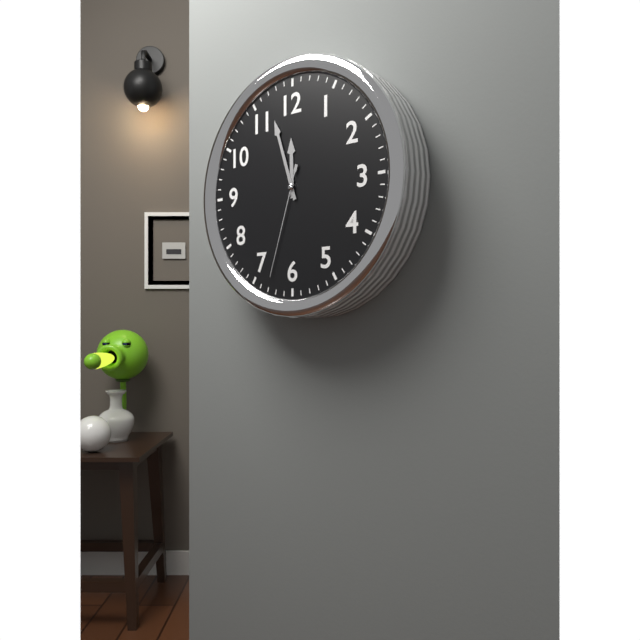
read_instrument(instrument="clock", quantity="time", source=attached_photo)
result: 11:57:33
